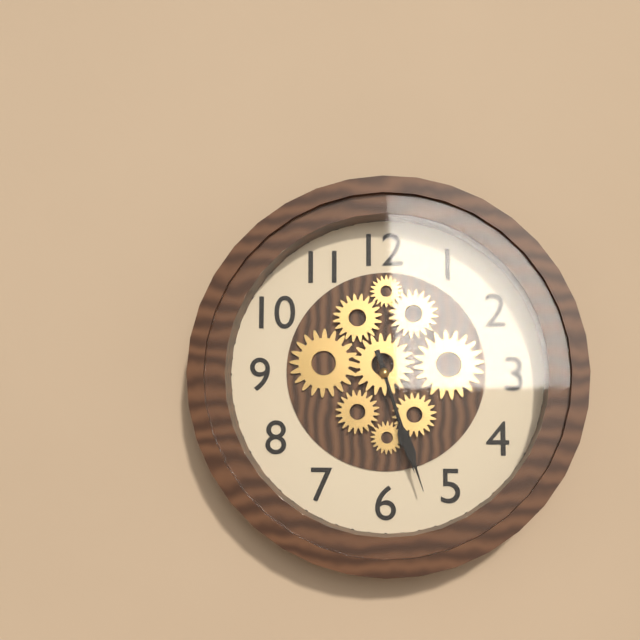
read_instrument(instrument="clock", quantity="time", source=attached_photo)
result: 5:27
